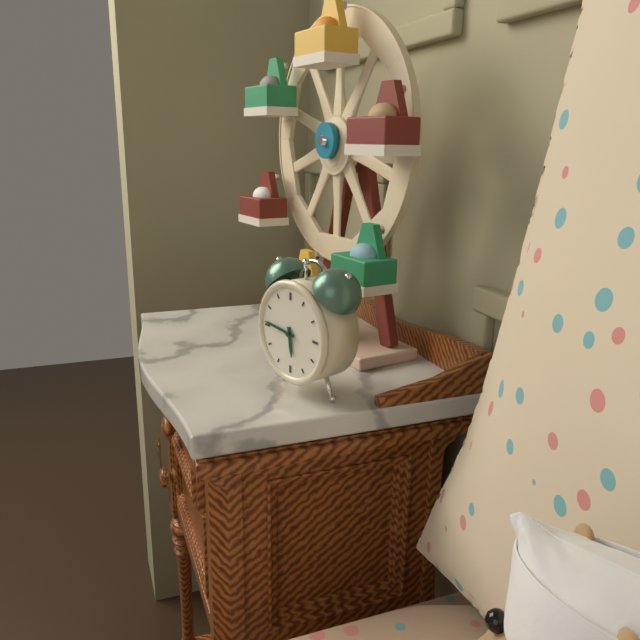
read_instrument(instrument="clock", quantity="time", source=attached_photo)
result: 5:46
